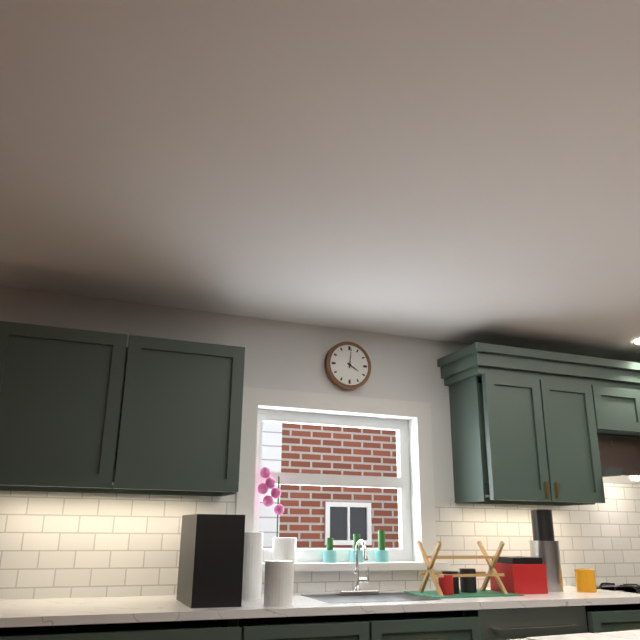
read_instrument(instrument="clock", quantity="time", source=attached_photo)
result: 4:01
